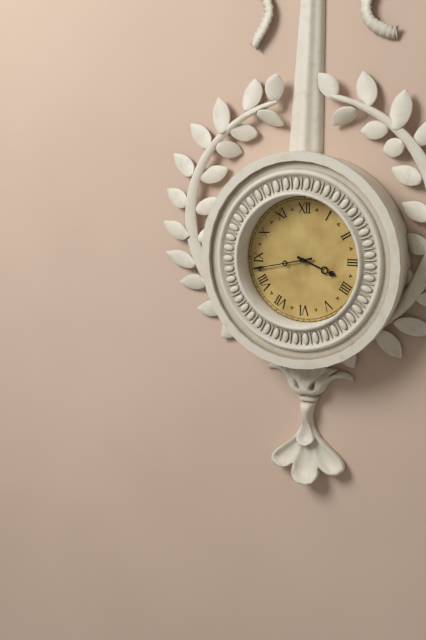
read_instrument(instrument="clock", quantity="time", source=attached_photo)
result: 3:43
